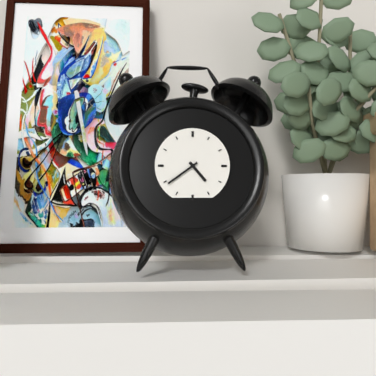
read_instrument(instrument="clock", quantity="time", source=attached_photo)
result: 4:39
